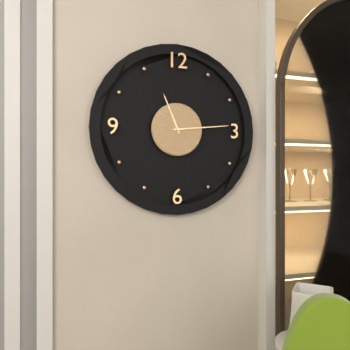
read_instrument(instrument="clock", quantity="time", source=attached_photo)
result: 11:14
